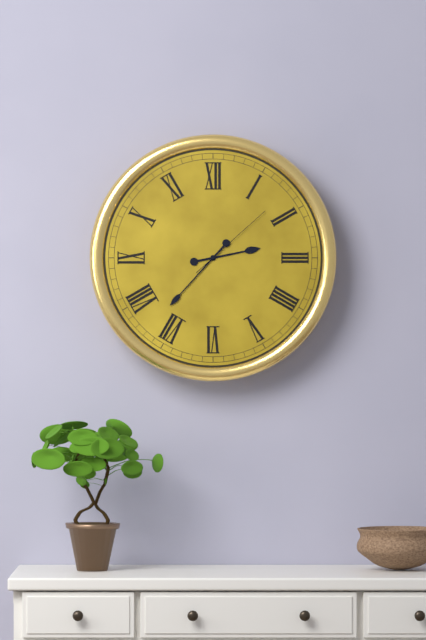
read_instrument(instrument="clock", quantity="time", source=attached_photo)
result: 2:37:08
